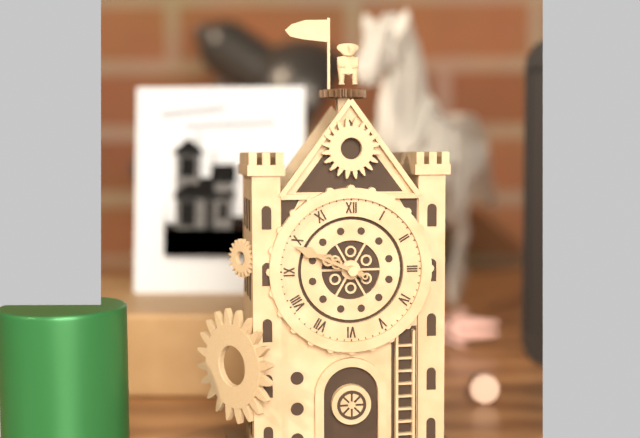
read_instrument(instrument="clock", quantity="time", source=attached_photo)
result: 9:49
